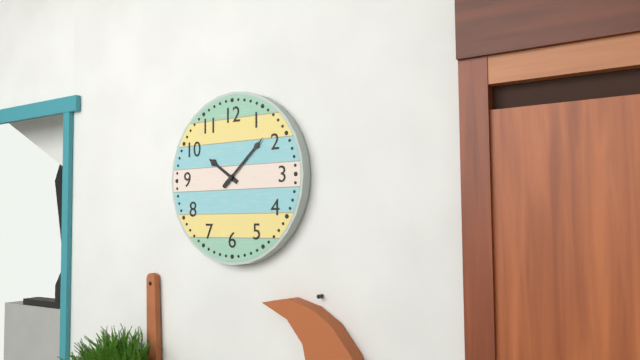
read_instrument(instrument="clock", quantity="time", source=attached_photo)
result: 10:08
